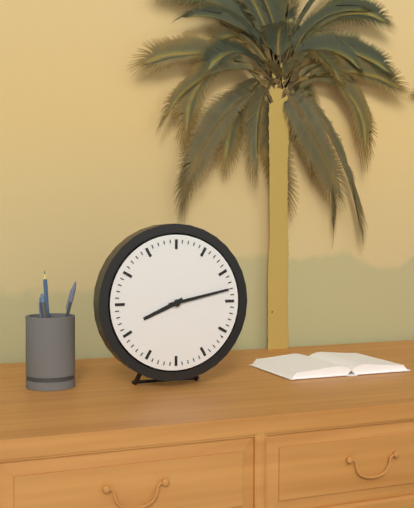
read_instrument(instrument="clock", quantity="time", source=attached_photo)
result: 8:13
